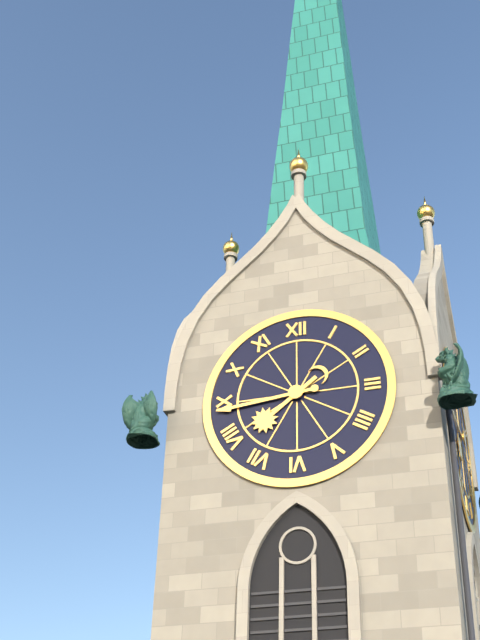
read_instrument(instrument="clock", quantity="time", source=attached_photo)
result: 7:44
